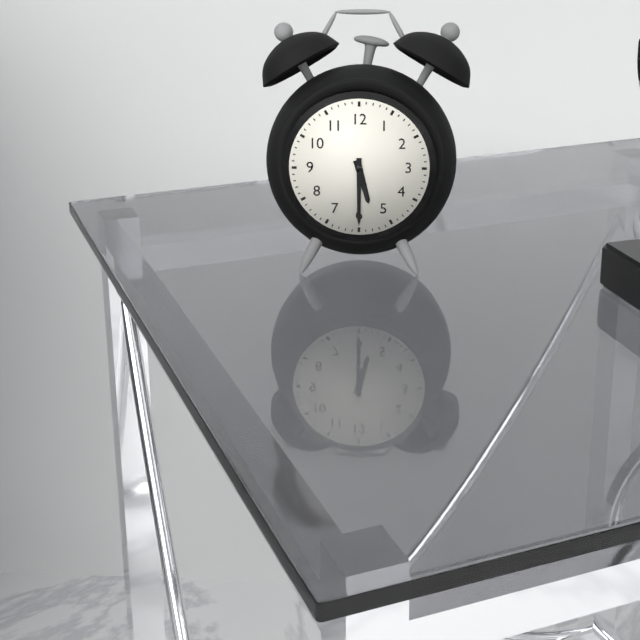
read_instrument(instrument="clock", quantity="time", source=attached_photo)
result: 5:30
